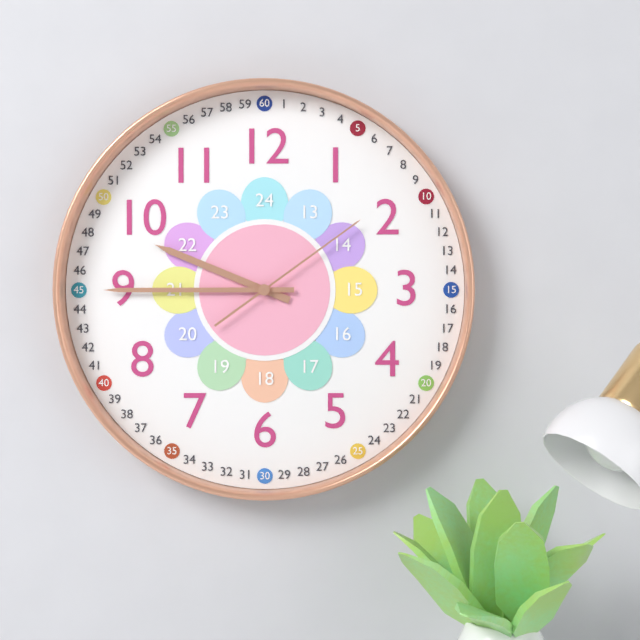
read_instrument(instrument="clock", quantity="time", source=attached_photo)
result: 9:45:09
